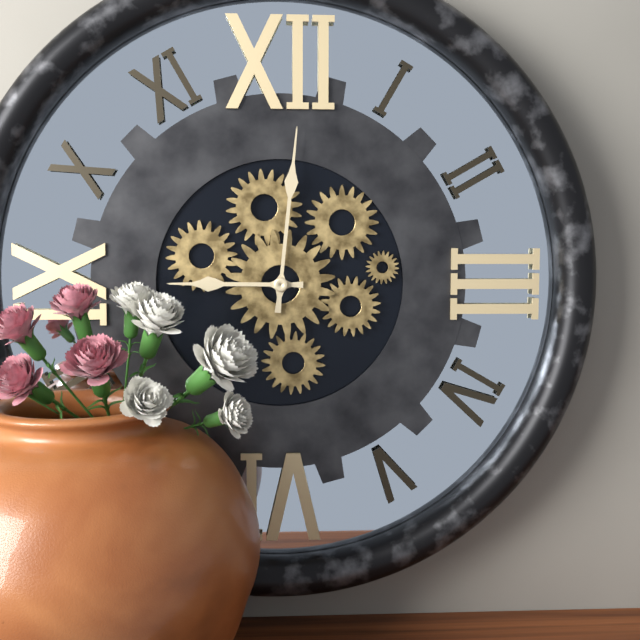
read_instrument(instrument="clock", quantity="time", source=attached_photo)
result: 9:01
